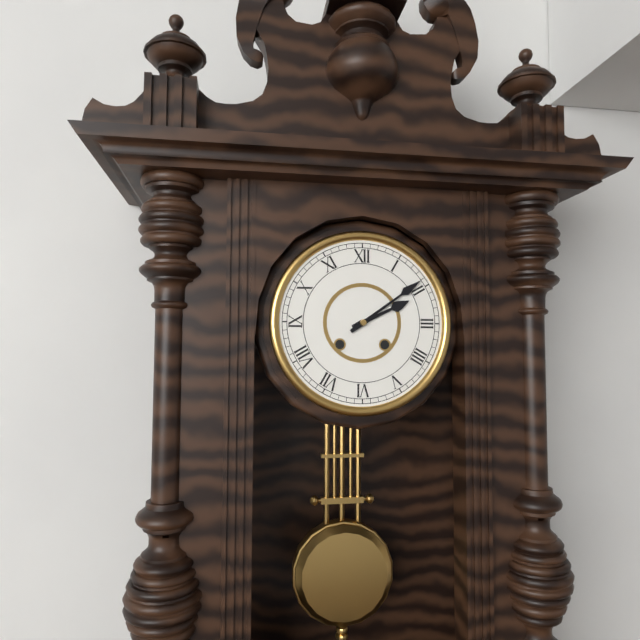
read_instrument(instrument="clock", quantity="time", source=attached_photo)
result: 2:09
